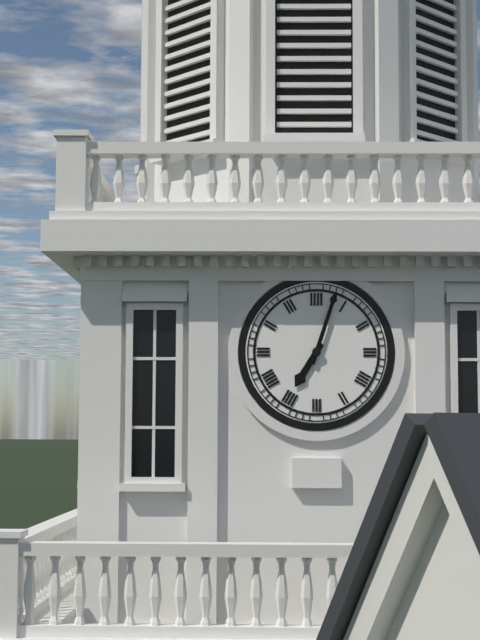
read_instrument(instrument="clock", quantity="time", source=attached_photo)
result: 7:03
